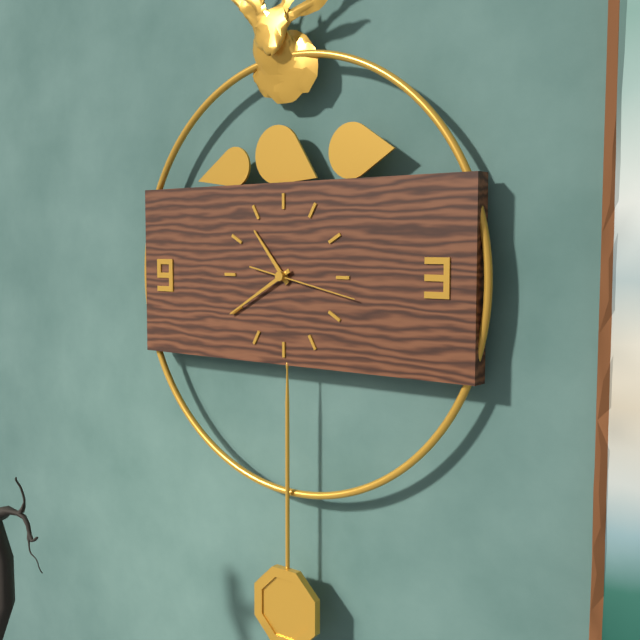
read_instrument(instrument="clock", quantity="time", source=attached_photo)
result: 10:40:17
